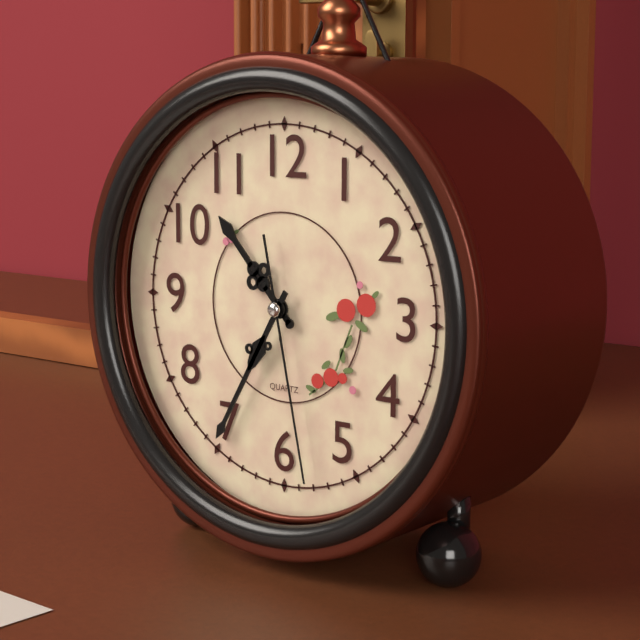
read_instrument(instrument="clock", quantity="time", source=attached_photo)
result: 10:35:28
